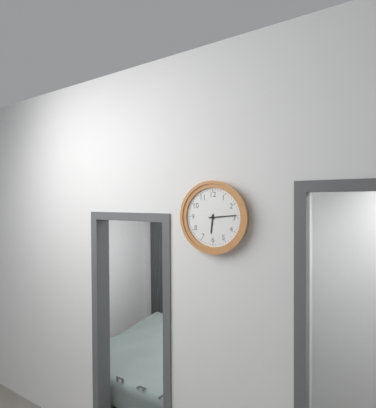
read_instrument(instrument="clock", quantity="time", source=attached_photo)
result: 6:14
